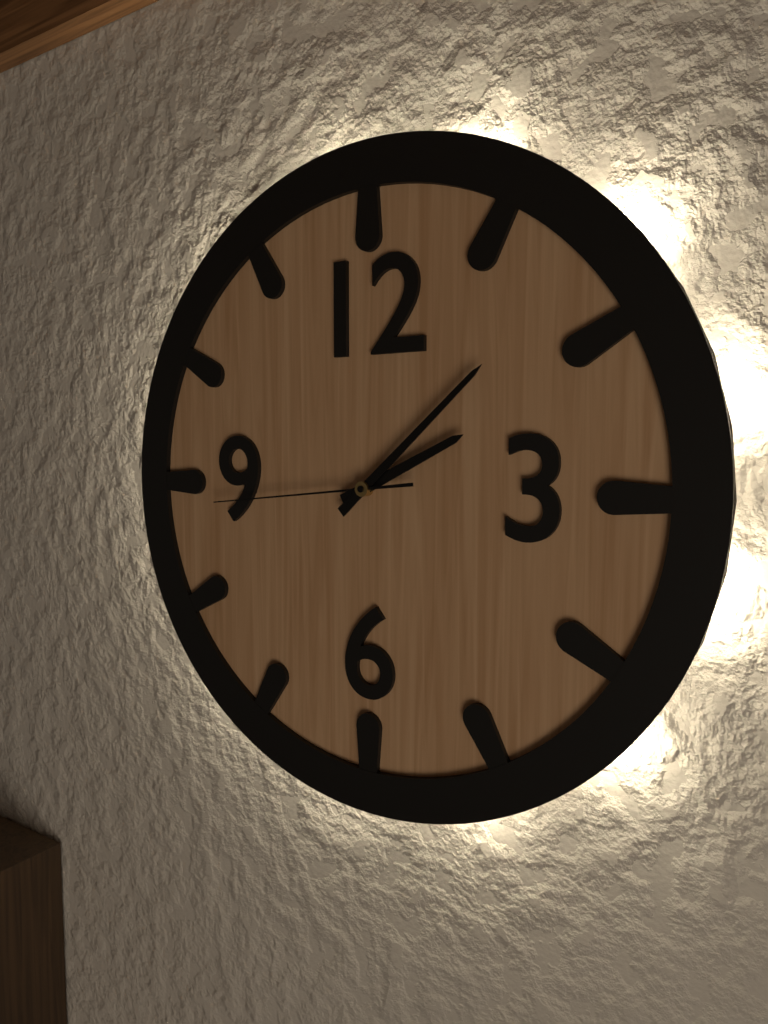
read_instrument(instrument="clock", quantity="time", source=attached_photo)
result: 2:08:44
